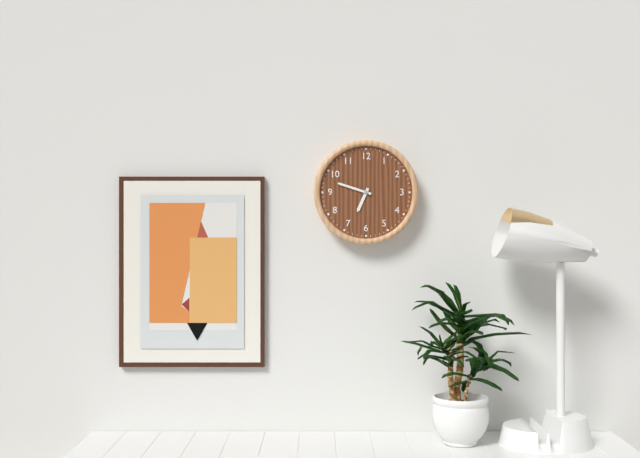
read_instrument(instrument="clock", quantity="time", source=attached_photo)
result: 6:48
